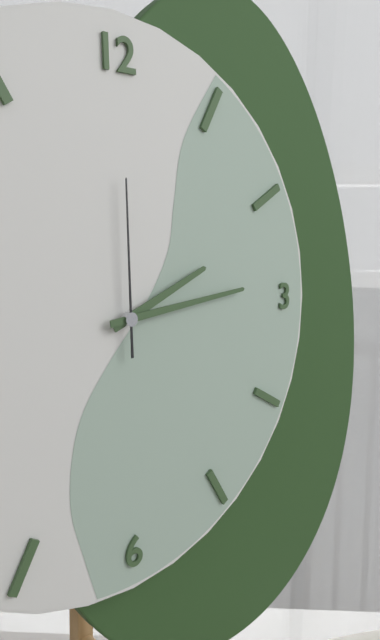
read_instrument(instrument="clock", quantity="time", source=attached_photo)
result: 2:14:00
